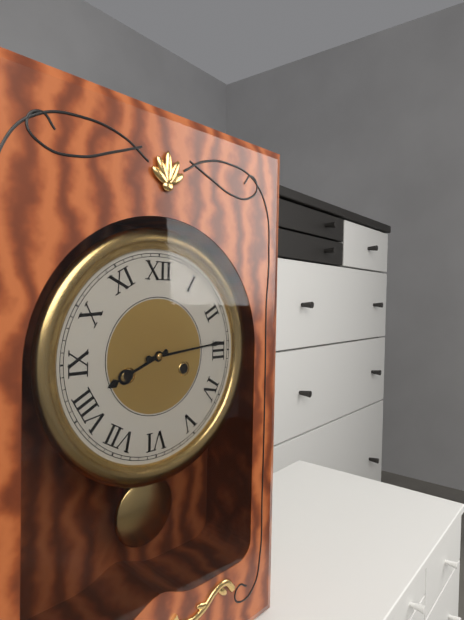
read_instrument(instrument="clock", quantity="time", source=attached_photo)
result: 8:14
